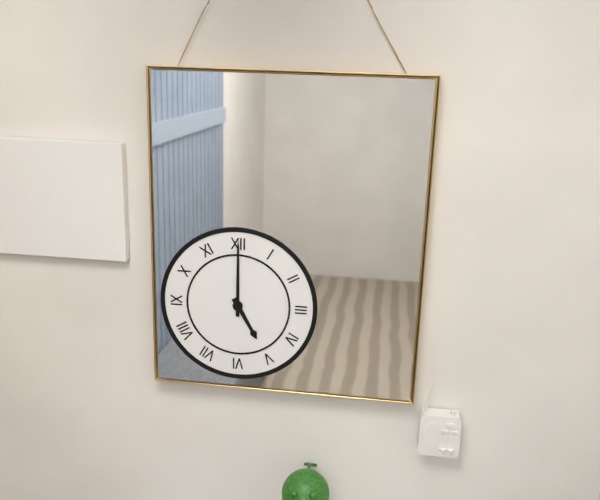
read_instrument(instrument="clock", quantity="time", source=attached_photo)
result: 5:00
